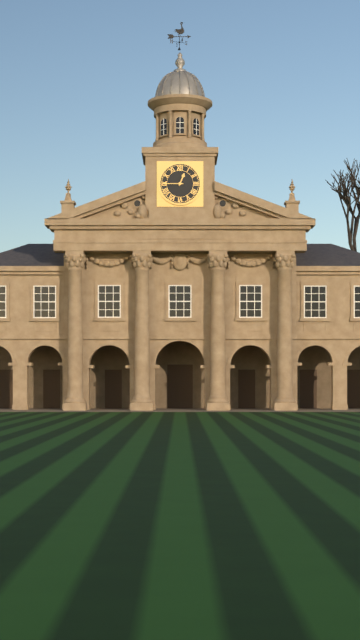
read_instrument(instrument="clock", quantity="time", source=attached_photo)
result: 12:45
